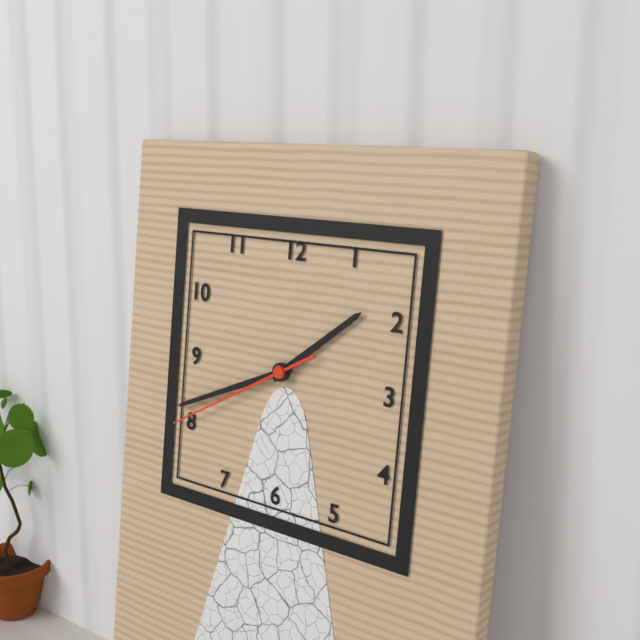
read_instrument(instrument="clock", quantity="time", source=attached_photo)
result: 1:41:40
